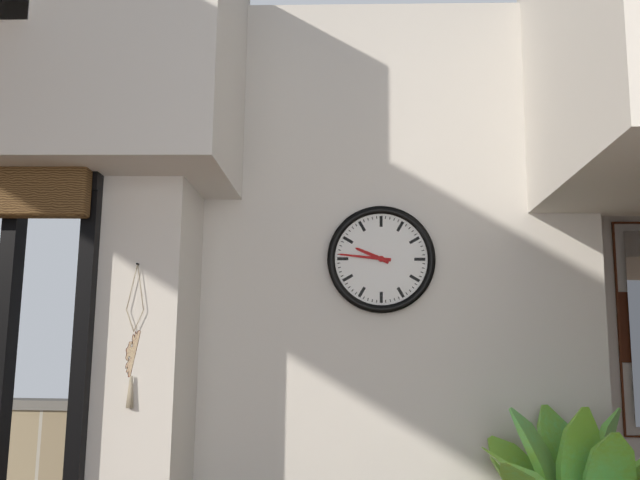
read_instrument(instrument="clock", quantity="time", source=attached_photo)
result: 9:46
